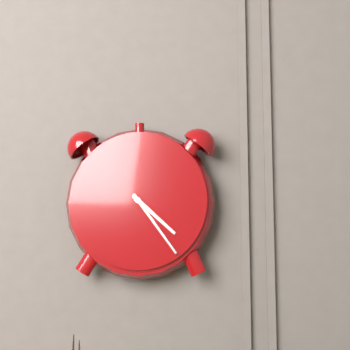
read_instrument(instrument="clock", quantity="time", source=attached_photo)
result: 4:24
